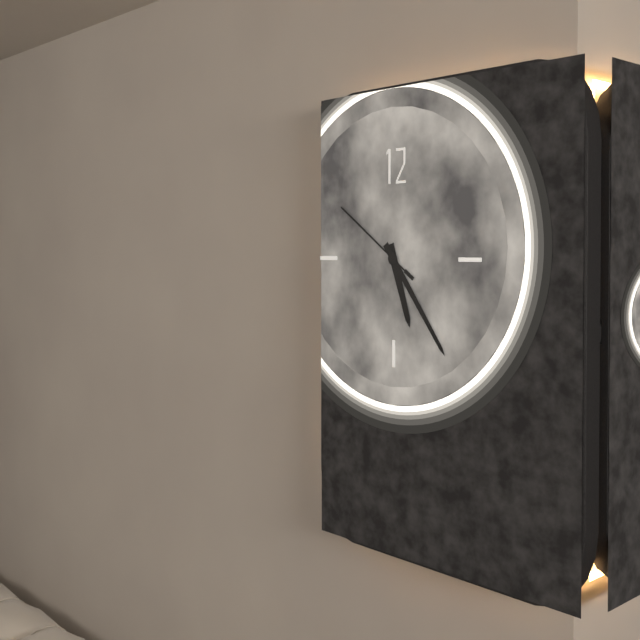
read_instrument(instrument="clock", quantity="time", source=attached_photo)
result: 5:24:51
